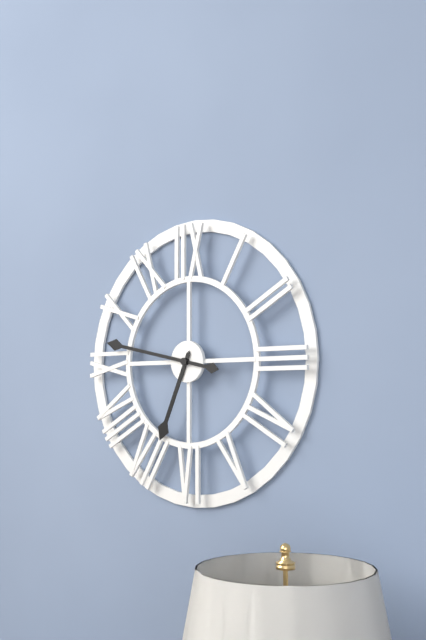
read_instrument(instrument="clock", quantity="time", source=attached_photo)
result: 6:47
